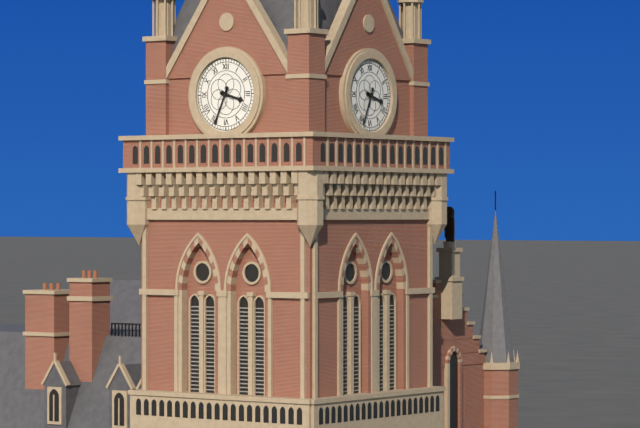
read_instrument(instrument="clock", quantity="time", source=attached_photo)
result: 3:34
